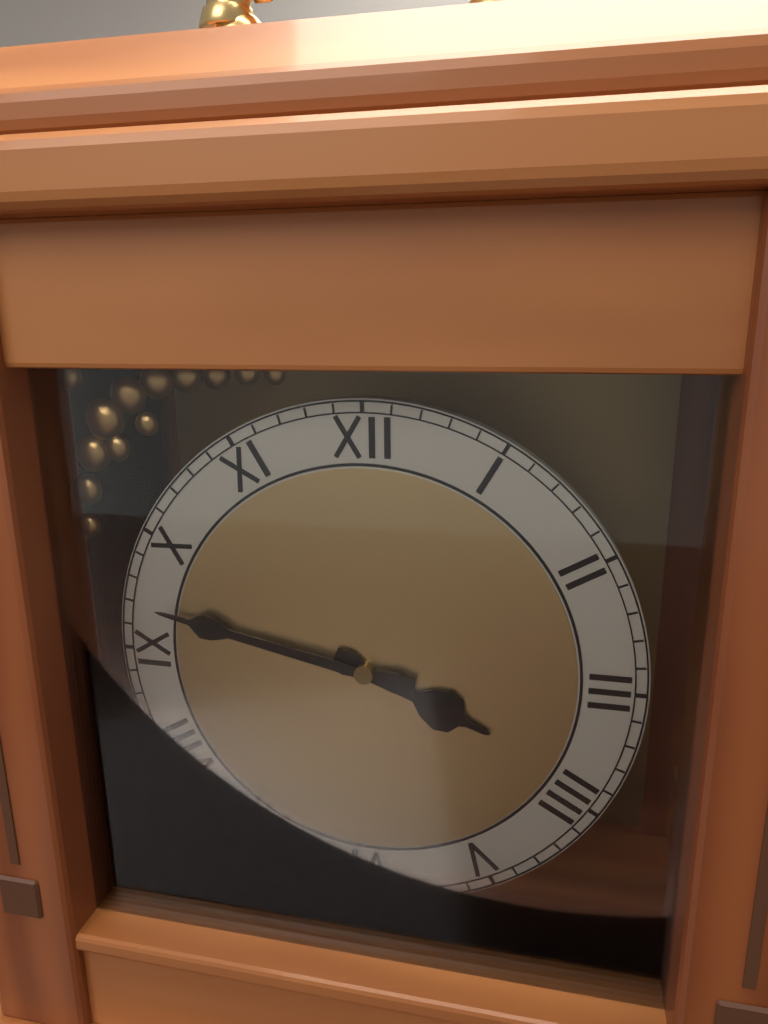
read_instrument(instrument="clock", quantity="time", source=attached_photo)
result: 3:47
